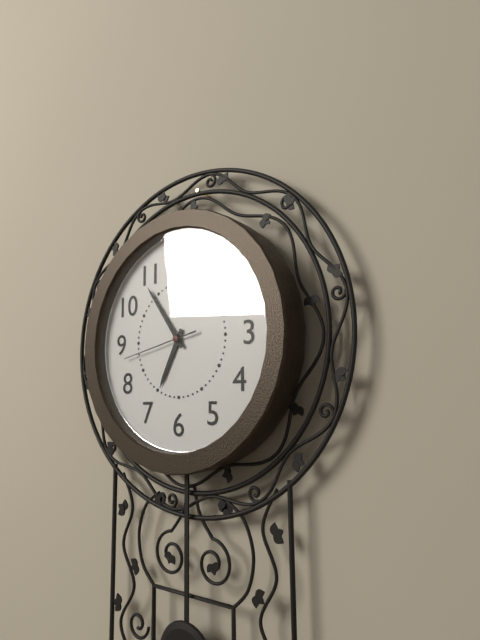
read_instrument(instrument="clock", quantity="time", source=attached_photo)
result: 6:54:43
